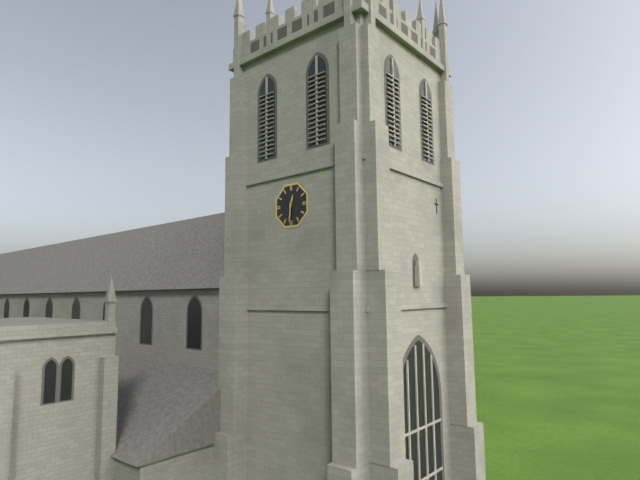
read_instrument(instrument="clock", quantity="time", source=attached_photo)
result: 12:31
